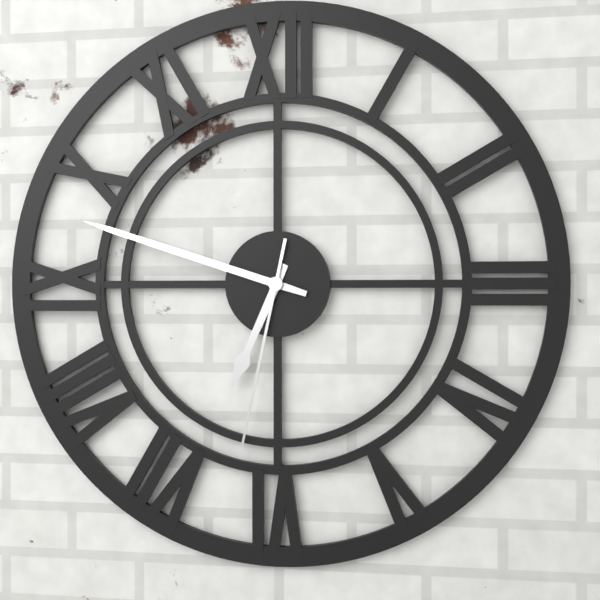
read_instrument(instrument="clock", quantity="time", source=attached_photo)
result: 6:48:32
